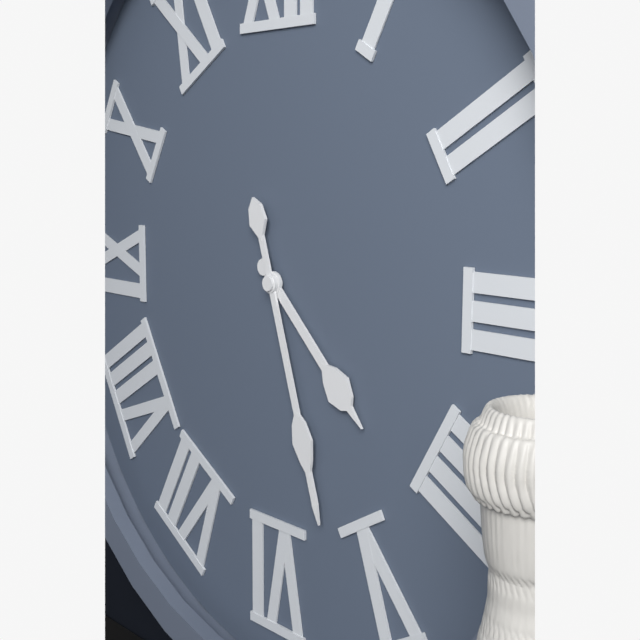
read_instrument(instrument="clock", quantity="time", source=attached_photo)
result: 4:27
